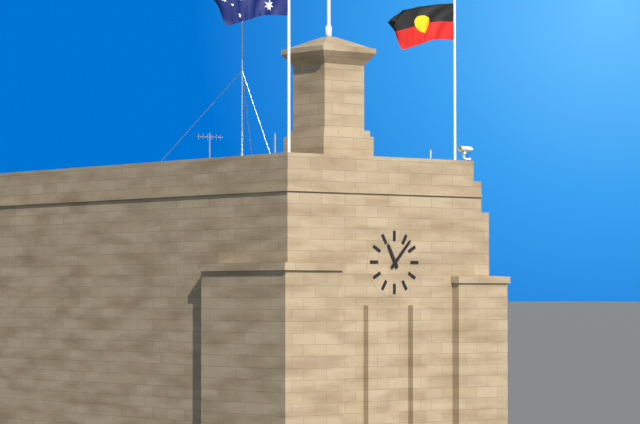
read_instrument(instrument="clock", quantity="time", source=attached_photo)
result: 11:07
